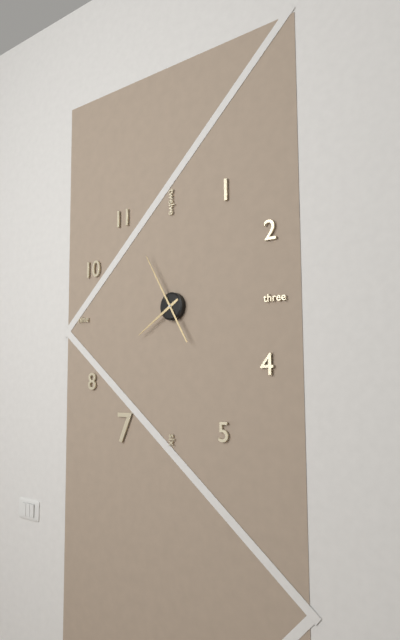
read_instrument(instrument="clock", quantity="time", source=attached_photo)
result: 7:55
